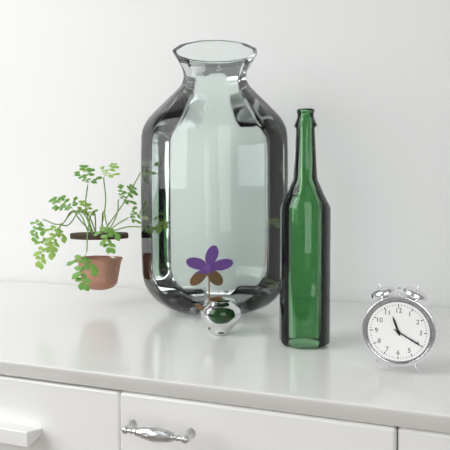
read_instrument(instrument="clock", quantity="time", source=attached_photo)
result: 11:20
